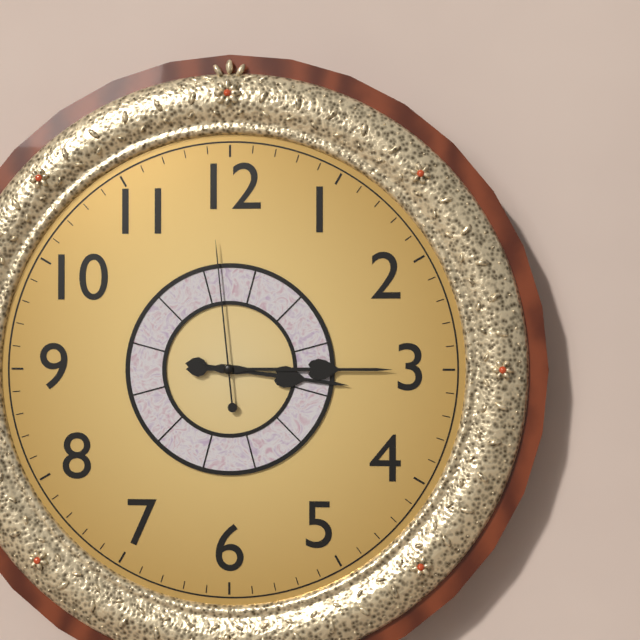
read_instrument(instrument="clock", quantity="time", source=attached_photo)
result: 3:15:59
